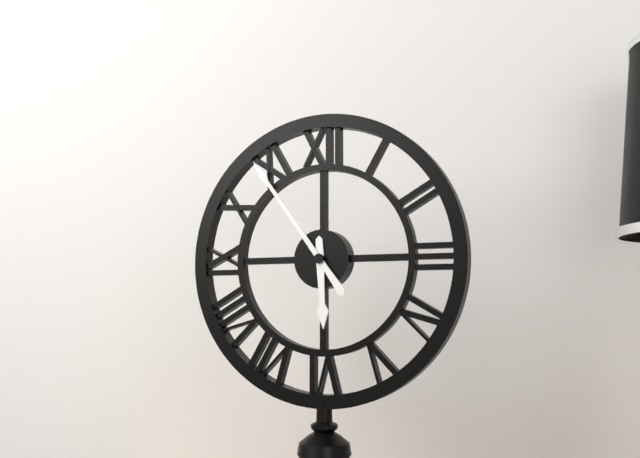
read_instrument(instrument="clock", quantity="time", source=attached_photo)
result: 5:54
